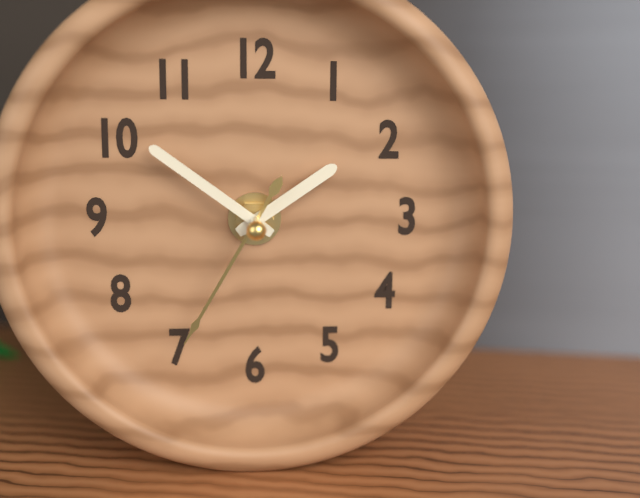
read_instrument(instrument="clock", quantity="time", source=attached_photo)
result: 1:51:35
